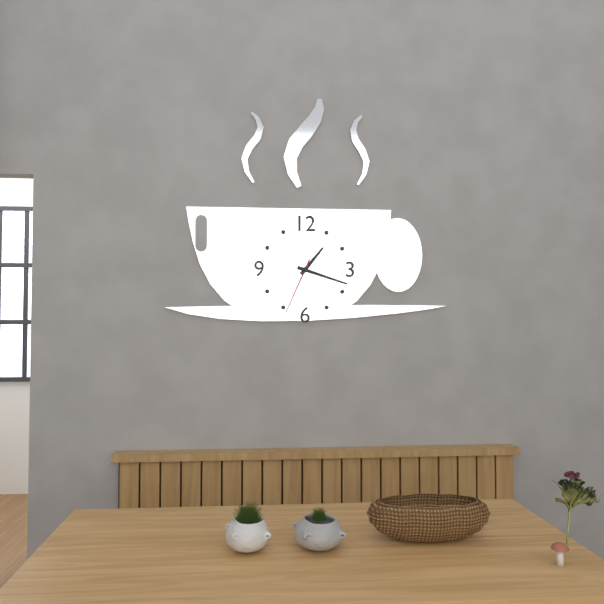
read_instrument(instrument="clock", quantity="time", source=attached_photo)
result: 1:18:34
